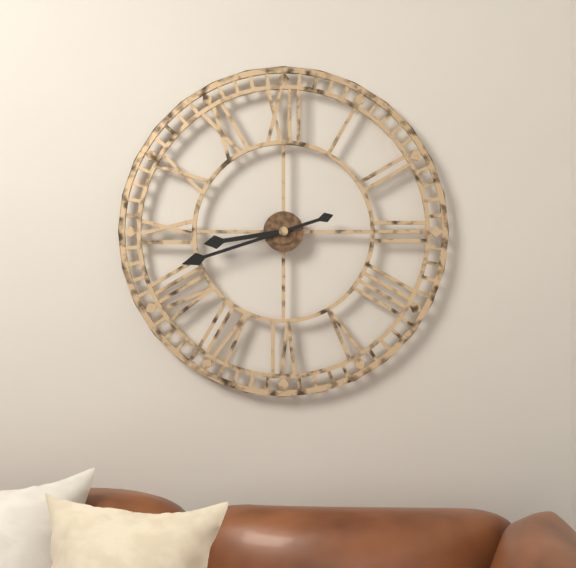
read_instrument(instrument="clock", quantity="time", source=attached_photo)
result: 8:42
